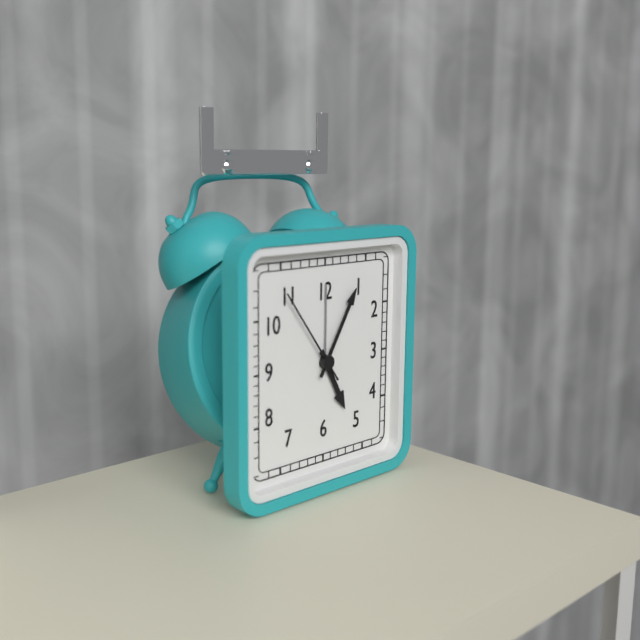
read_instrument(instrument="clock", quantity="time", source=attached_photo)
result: 5:05:54
